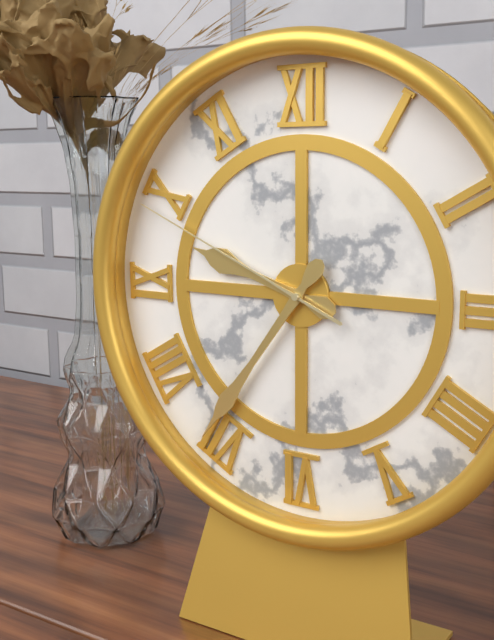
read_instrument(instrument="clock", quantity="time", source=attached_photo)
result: 9:36:49
